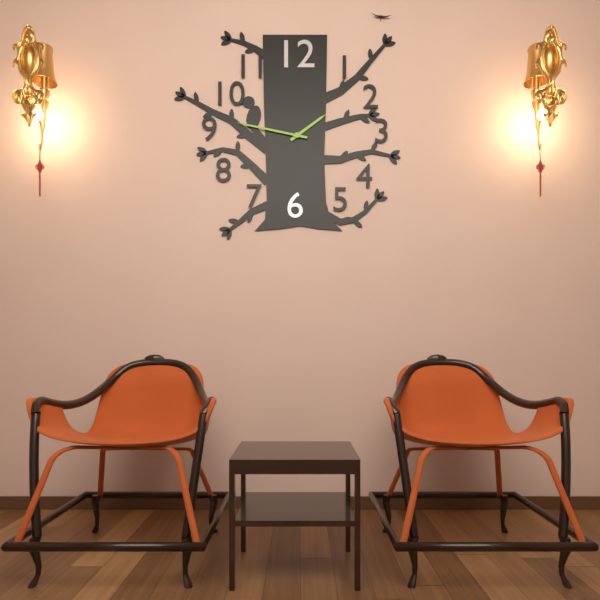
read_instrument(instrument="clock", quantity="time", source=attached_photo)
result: 1:47
